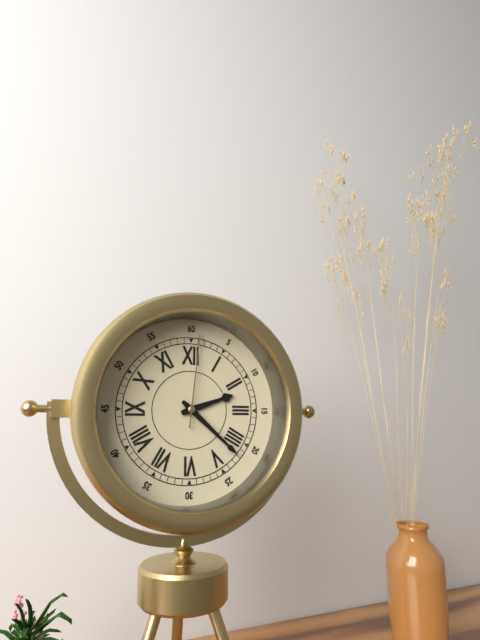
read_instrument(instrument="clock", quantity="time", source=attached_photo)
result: 2:22:01
